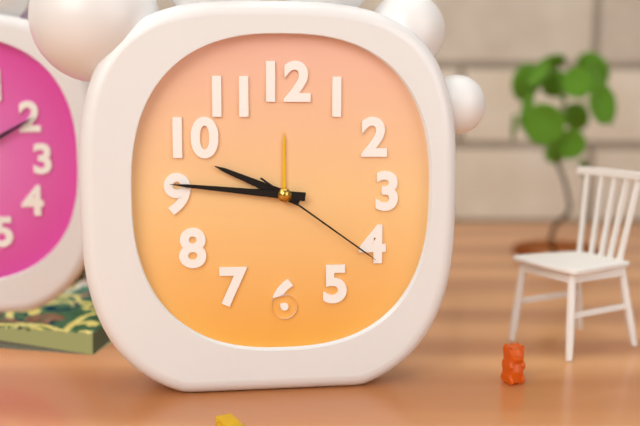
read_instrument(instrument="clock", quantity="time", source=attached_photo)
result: 9:46:21
